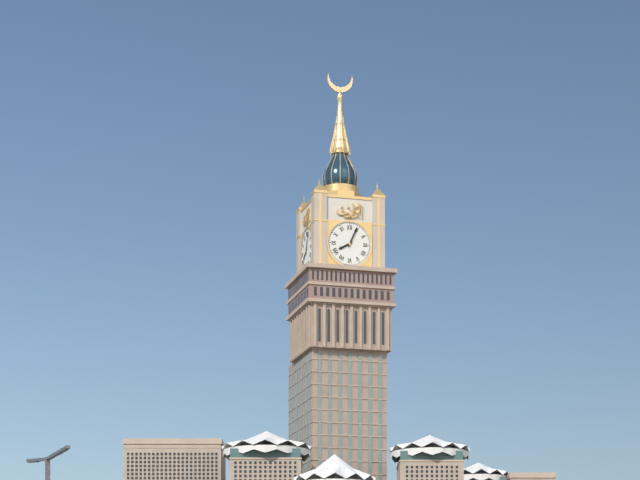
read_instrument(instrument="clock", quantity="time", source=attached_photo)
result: 8:04
